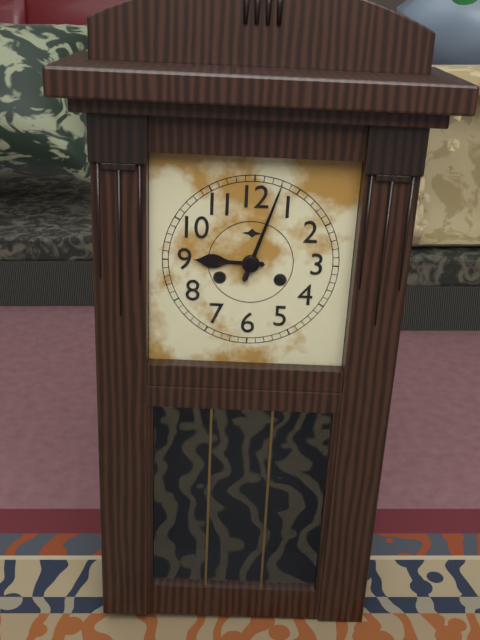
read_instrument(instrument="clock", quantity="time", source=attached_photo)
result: 9:03
